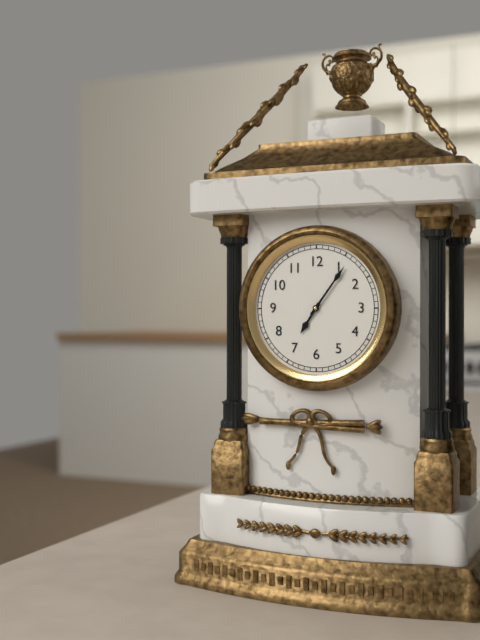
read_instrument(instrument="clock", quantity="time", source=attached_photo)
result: 7:06
